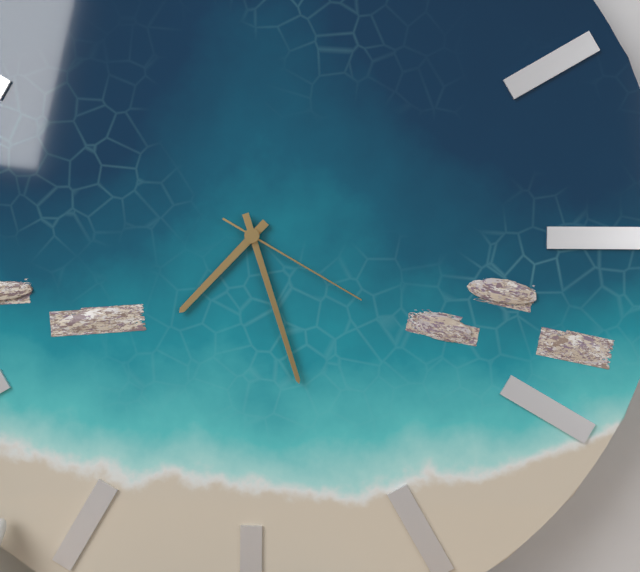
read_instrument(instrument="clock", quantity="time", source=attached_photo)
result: 7:27:20
